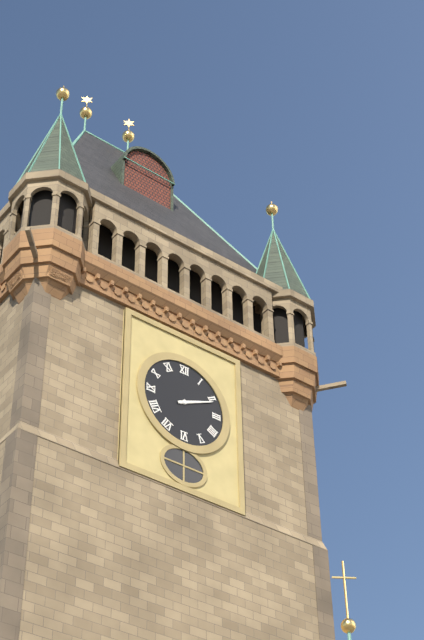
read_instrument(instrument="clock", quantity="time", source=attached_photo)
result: 2:11
